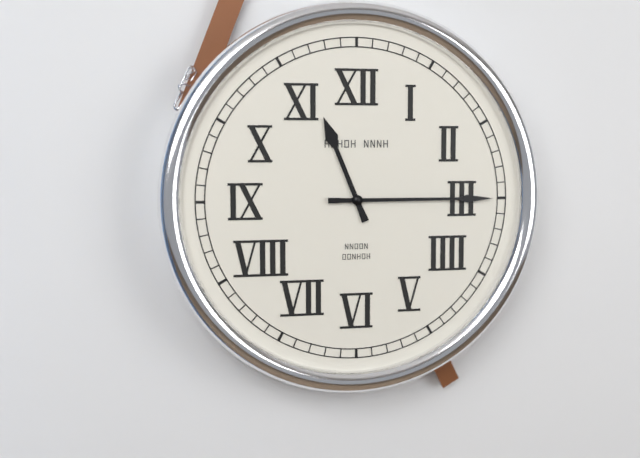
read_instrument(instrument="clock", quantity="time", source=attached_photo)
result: 11:15
